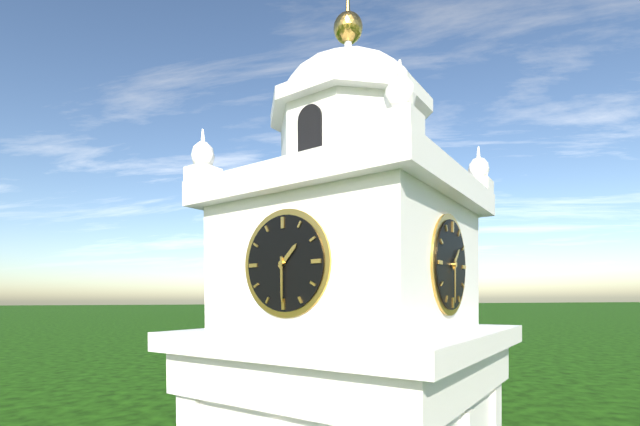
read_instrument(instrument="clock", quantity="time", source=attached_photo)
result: 1:30
